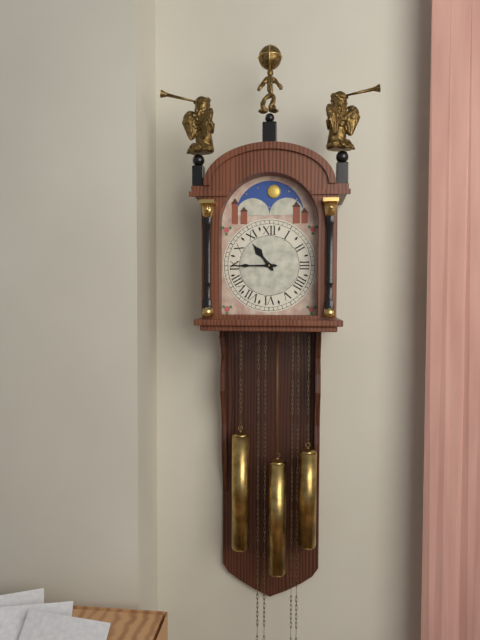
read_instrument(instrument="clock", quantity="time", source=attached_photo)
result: 10:45
